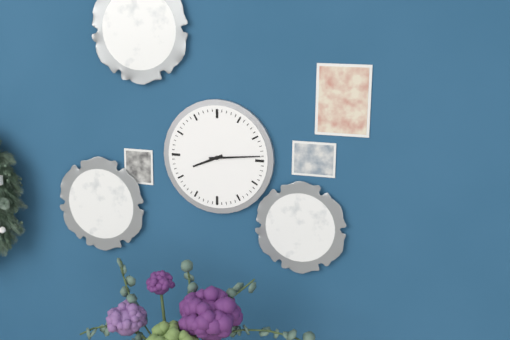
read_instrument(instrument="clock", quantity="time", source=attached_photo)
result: 8:14
